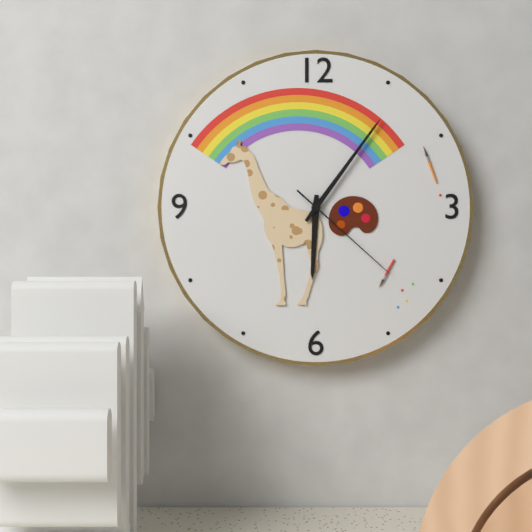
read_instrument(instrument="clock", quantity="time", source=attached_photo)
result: 6:06:22
